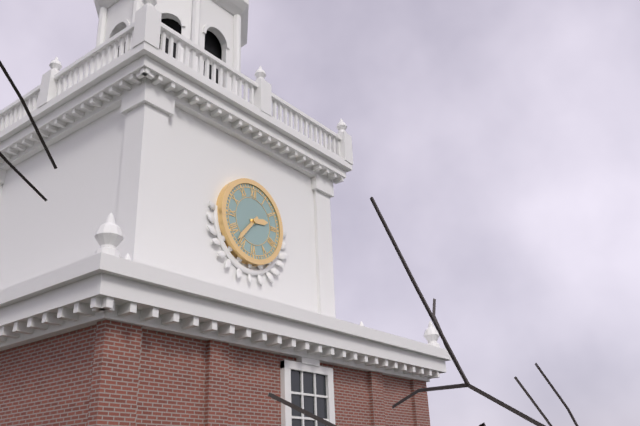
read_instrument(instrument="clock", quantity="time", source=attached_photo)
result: 2:37
